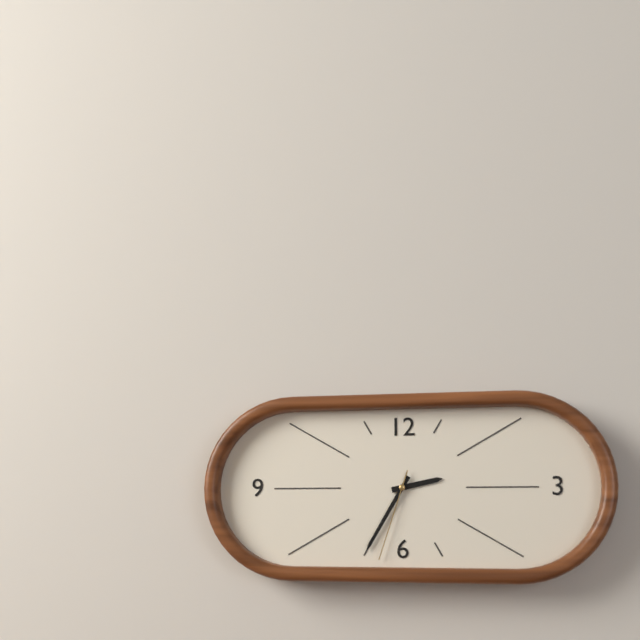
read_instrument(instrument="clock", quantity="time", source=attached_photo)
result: 2:35:33
